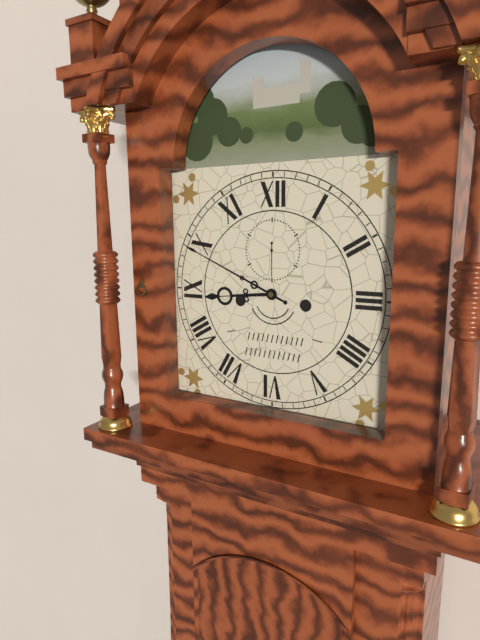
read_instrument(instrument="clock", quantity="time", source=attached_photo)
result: 8:49
